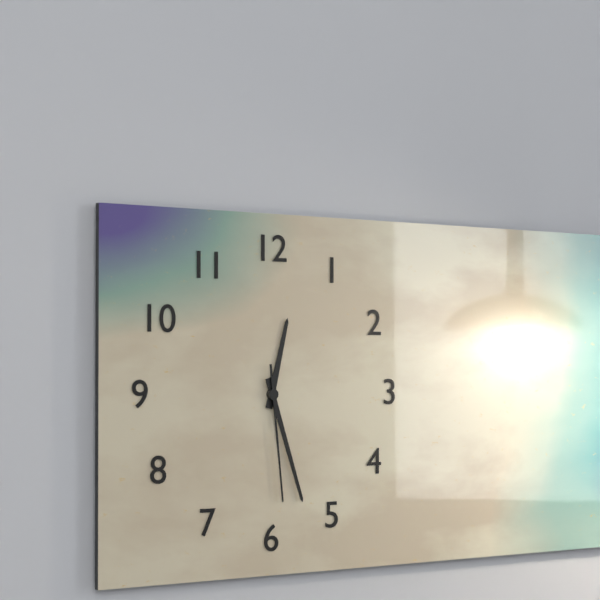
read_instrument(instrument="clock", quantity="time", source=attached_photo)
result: 12:27:29
